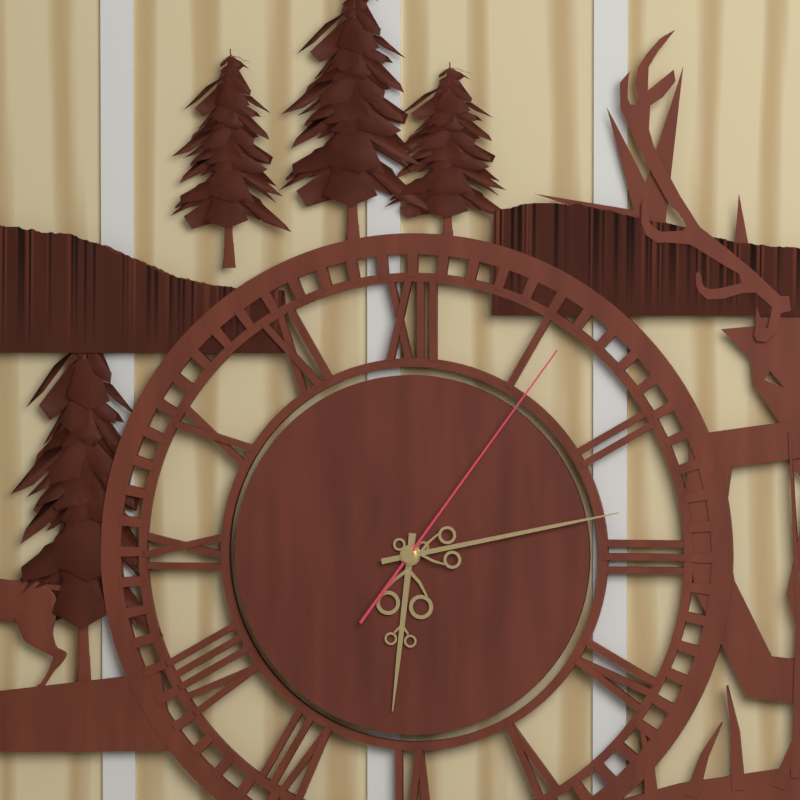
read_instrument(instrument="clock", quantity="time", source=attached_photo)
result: 6:13:06
